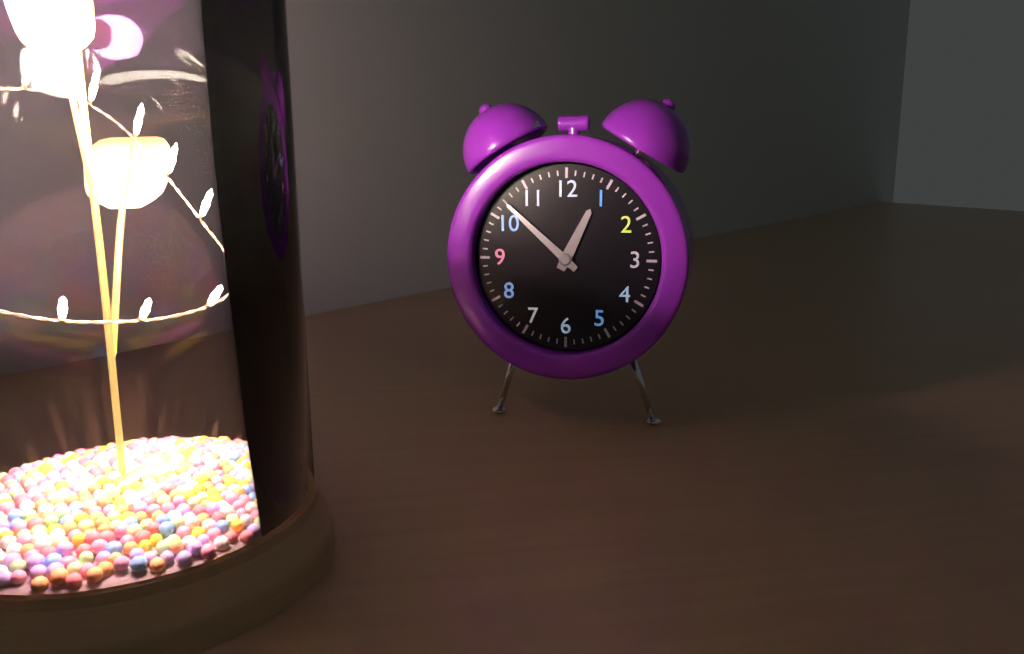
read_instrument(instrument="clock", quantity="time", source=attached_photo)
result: 12:52
